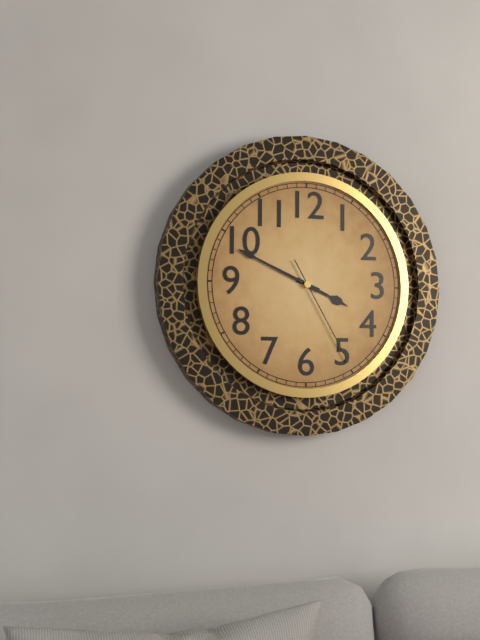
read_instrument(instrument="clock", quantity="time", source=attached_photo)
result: 3:49:25
